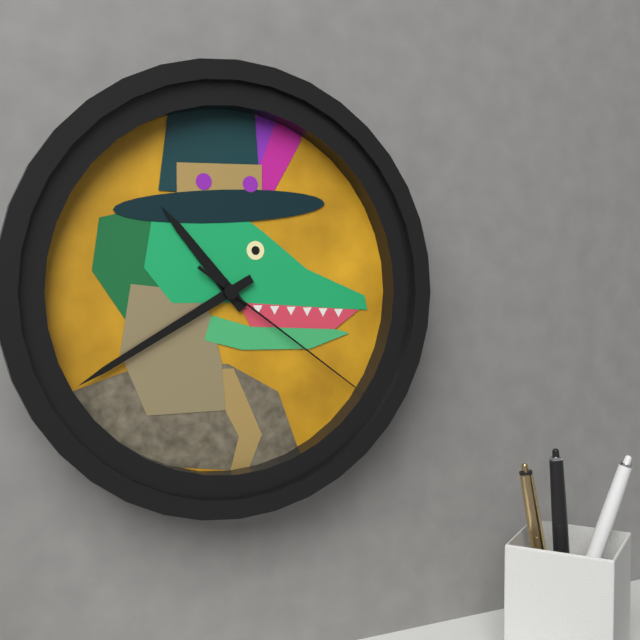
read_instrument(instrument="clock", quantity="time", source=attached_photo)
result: 10:40:21
